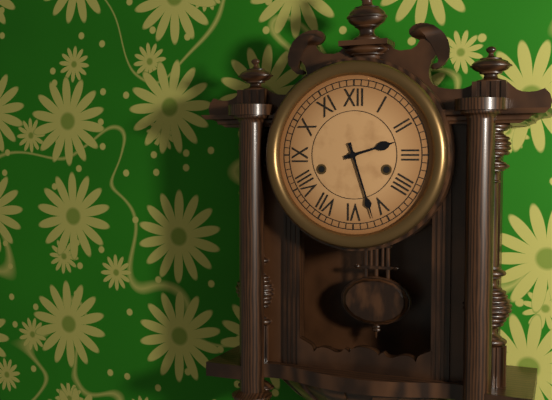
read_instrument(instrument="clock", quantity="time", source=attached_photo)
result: 2:27
